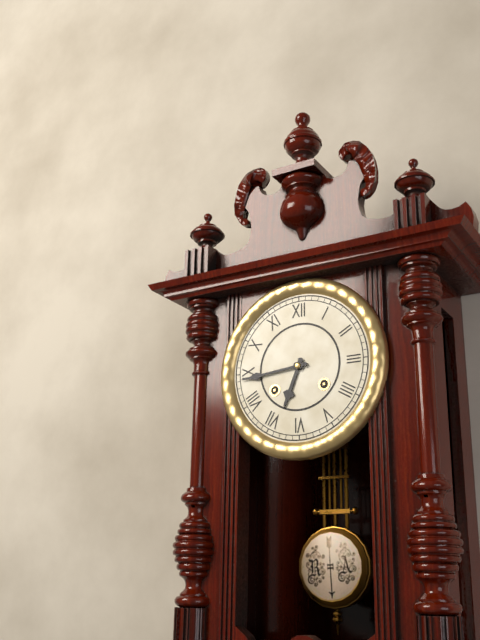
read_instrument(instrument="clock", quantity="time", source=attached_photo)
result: 6:44
